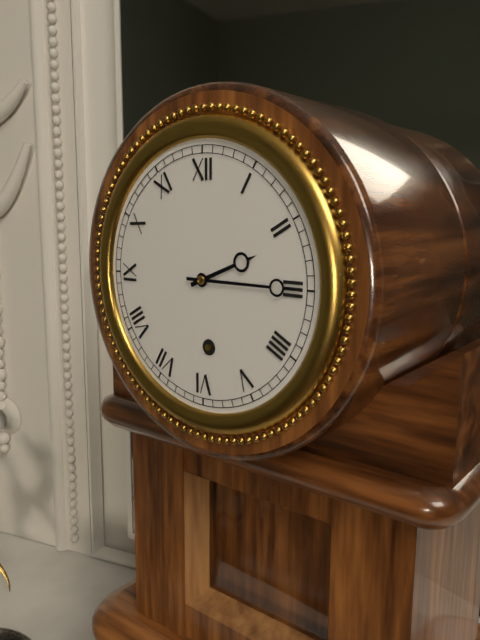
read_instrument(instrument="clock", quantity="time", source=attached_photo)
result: 2:15
